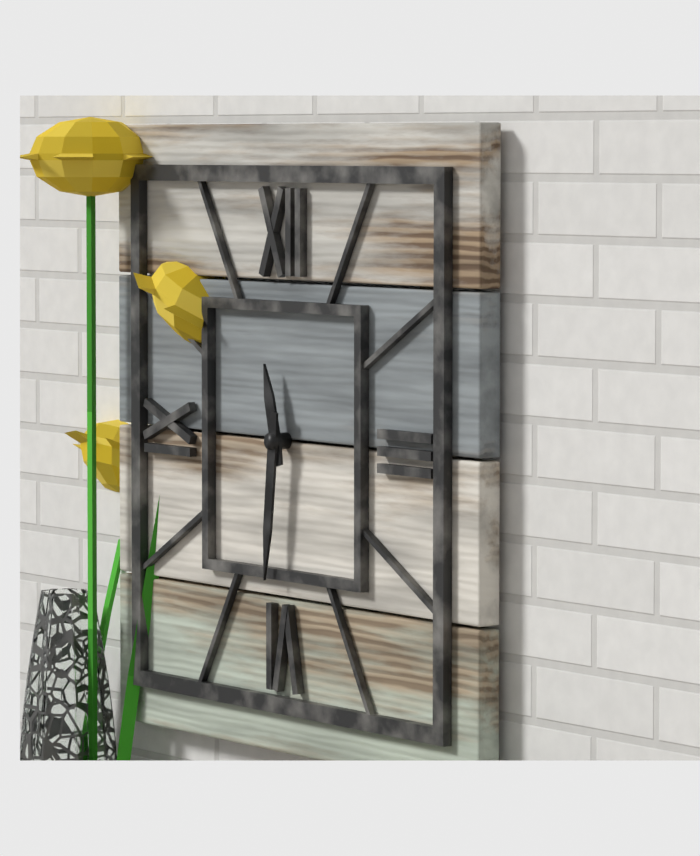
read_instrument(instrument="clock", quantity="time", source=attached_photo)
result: 11:31
